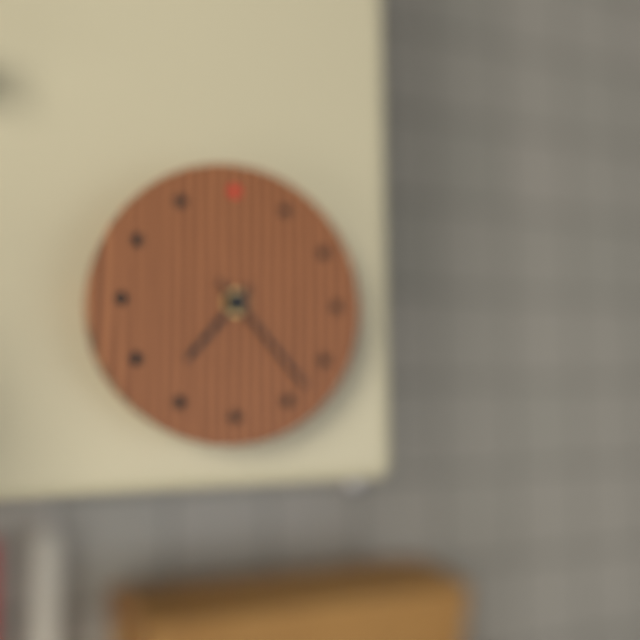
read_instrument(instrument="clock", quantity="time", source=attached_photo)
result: 7:23
